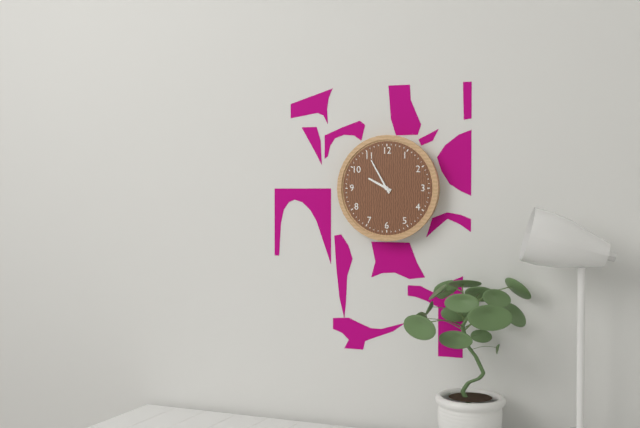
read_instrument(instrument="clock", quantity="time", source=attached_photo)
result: 9:55
